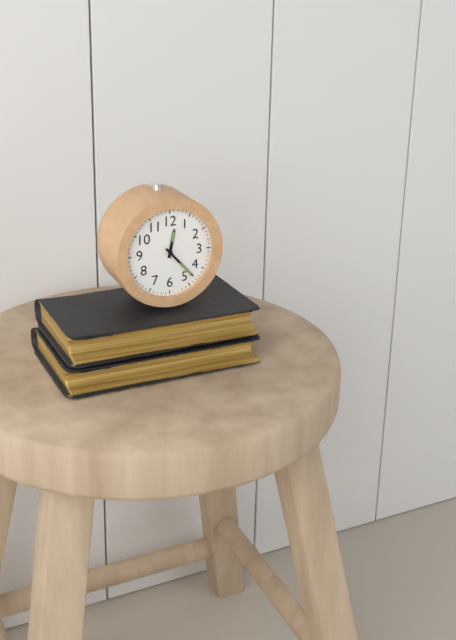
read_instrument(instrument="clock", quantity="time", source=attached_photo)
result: 12:23
